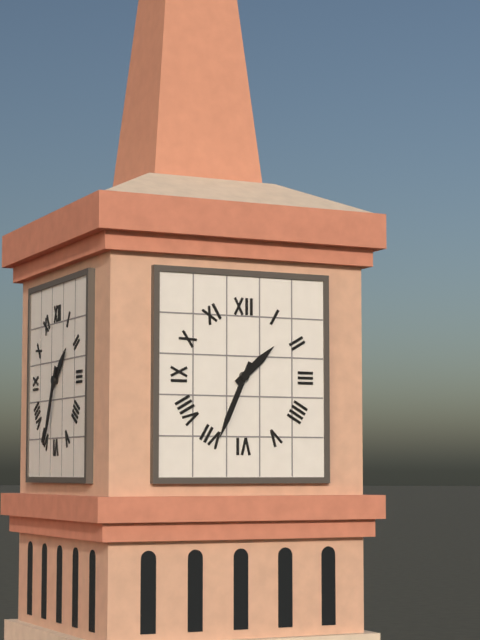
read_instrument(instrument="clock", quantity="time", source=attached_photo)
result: 1:34
